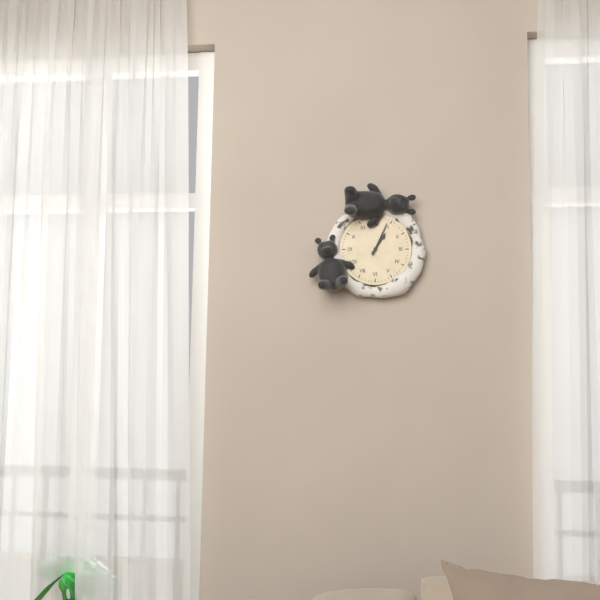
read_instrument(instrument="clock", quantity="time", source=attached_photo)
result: 1:04
